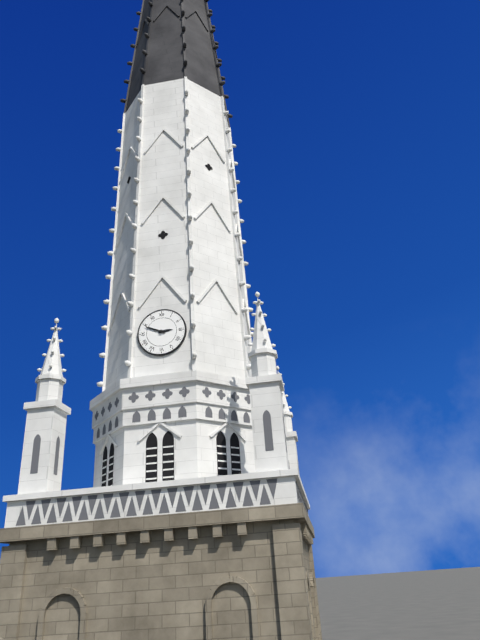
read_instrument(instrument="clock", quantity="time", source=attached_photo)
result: 2:49
